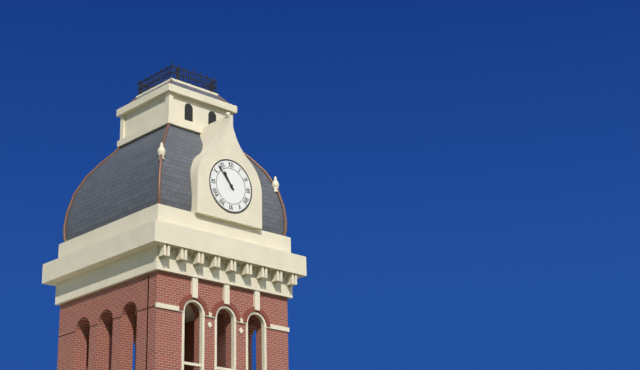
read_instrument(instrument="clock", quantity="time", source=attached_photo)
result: 10:53
